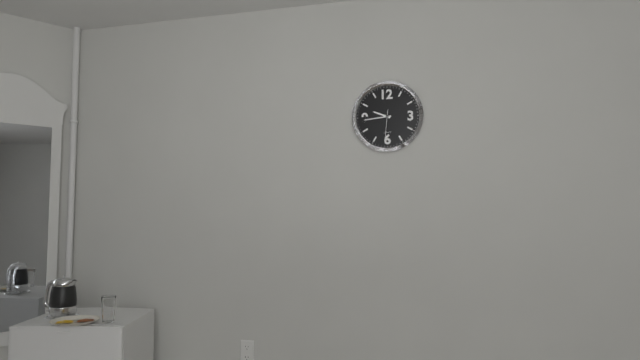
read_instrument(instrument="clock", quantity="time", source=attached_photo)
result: 9:44
